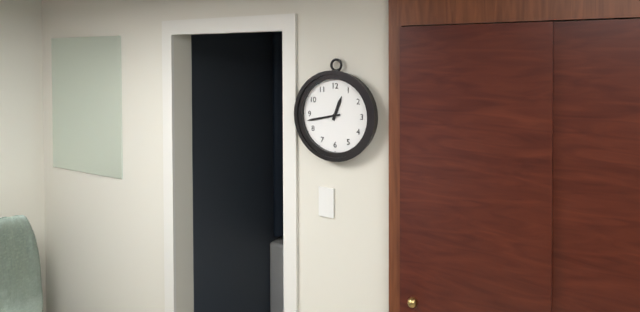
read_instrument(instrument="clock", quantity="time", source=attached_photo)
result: 12:43
